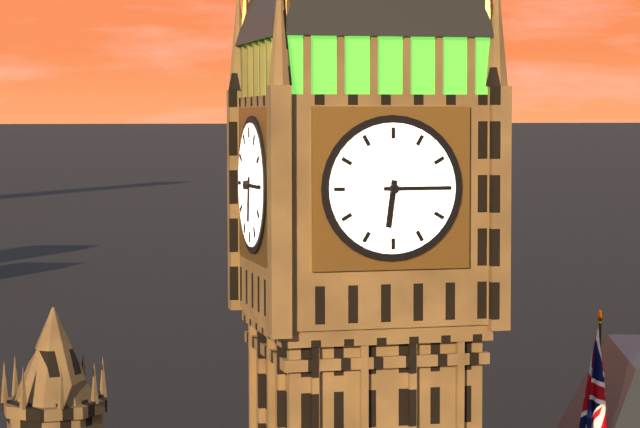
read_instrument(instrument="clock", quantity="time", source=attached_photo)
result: 6:15
